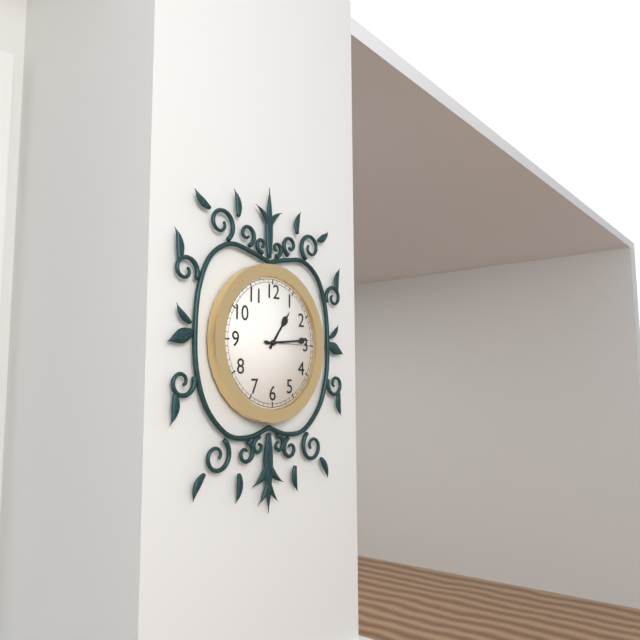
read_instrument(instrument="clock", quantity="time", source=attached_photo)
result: 1:14
